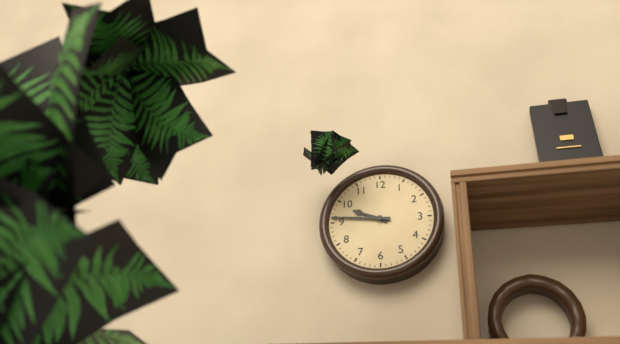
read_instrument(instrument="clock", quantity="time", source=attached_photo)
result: 9:46
